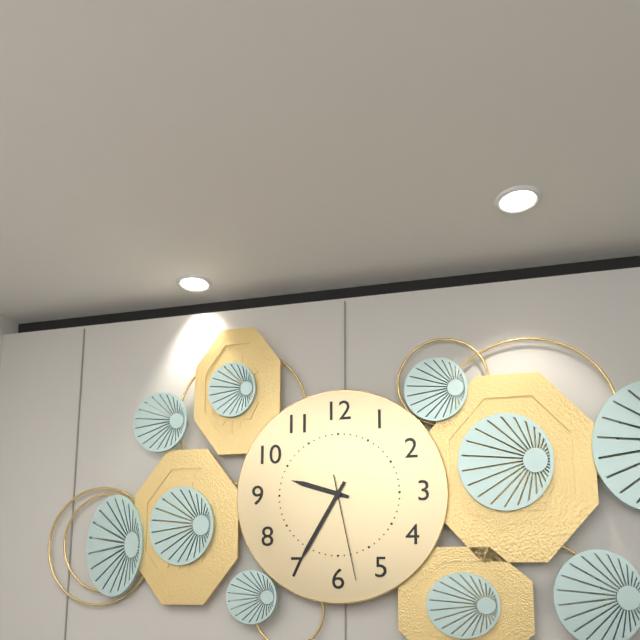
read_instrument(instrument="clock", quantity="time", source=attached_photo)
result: 9:35:28
